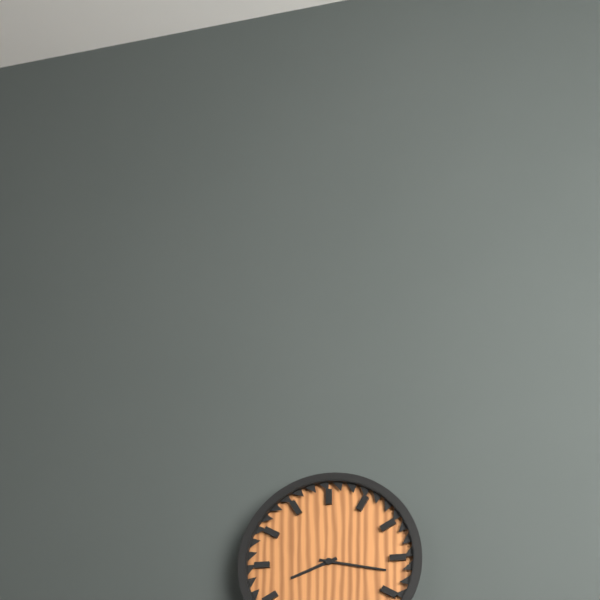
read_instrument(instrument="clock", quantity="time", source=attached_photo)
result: 8:17
